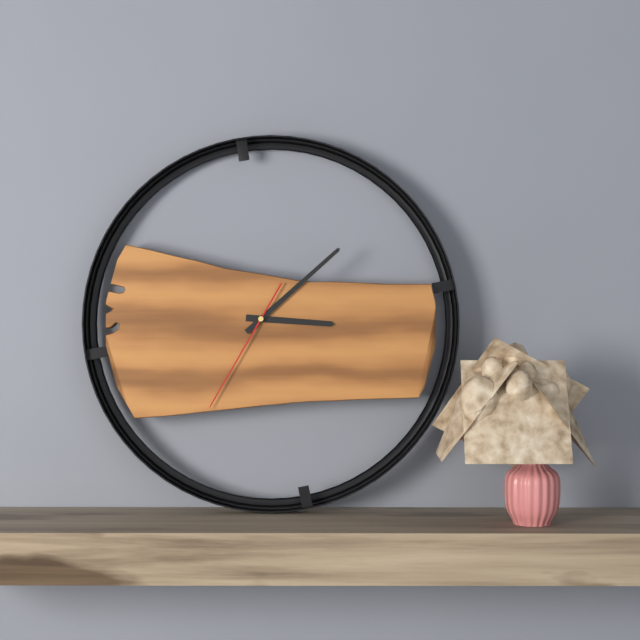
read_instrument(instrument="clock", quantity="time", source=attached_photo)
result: 3:08:35
